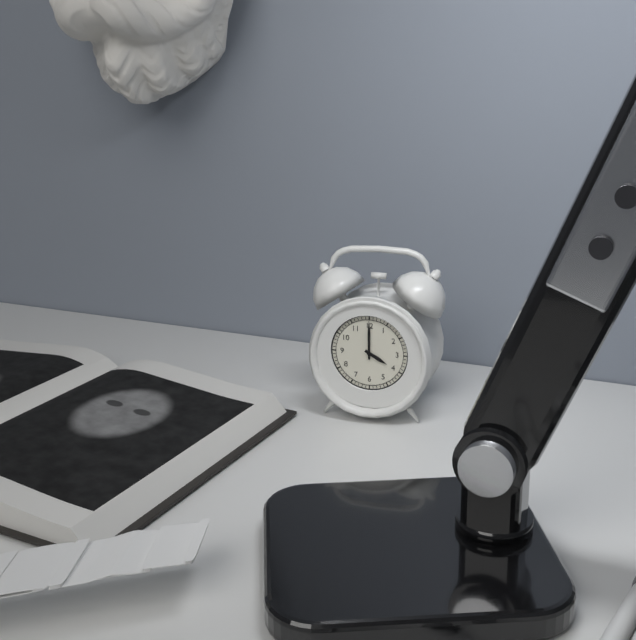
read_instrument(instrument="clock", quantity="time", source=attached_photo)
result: 4:00
